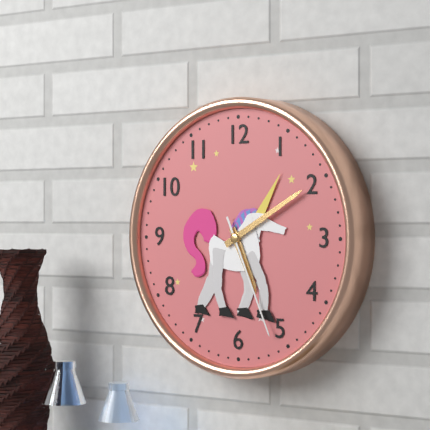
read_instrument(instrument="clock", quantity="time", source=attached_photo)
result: 5:10:26
